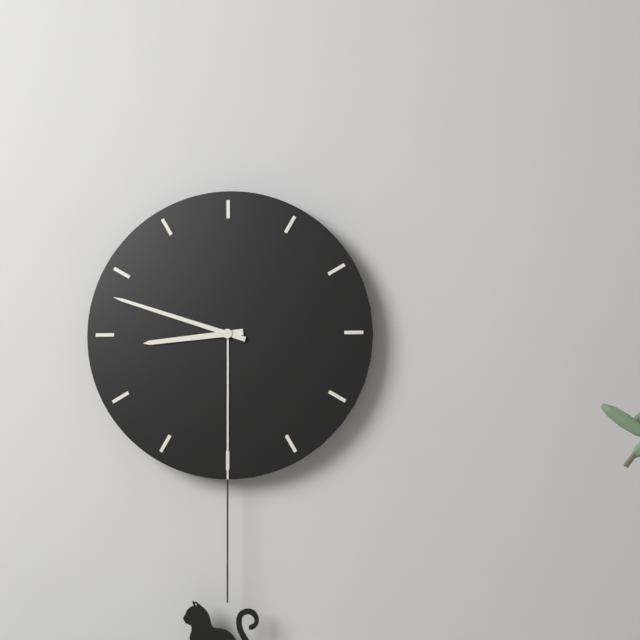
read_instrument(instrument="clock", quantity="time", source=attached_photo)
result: 8:48
